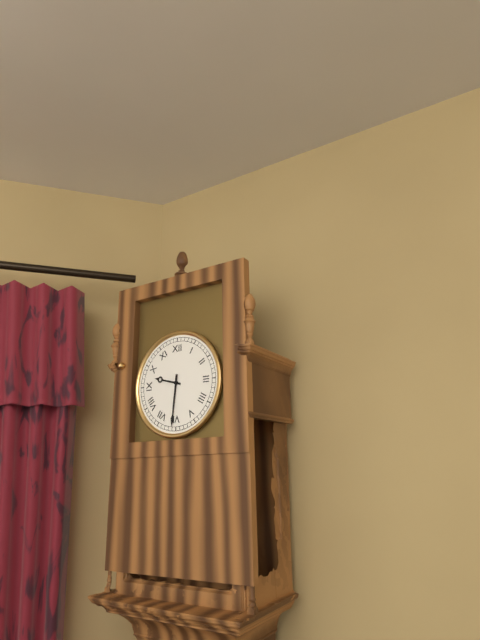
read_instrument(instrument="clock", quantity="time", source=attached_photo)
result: 9:31
